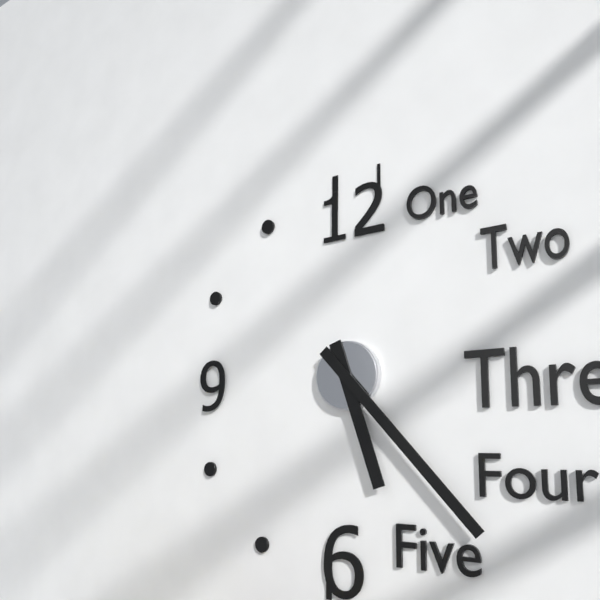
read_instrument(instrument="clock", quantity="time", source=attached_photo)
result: 5:23
